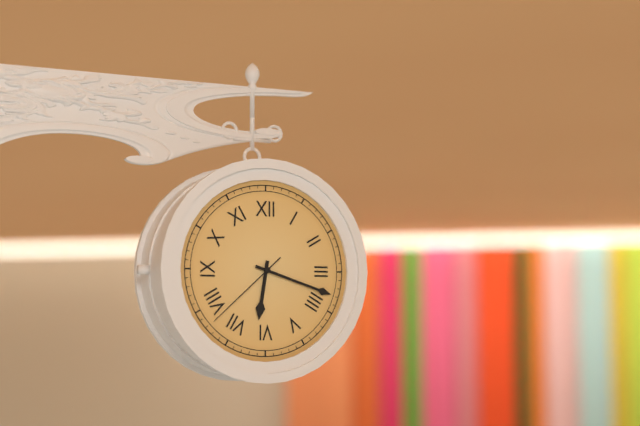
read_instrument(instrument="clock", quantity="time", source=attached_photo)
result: 6:18:38
